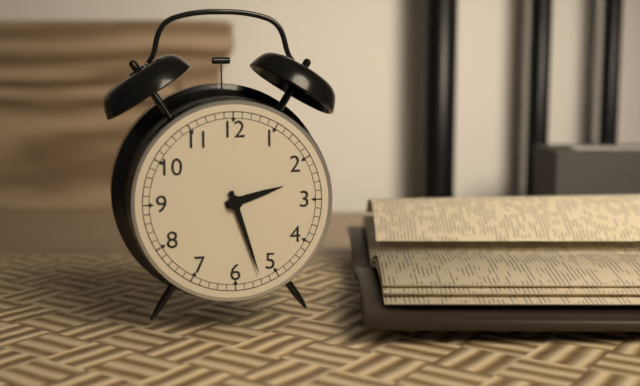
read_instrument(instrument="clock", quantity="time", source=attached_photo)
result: 2:27
